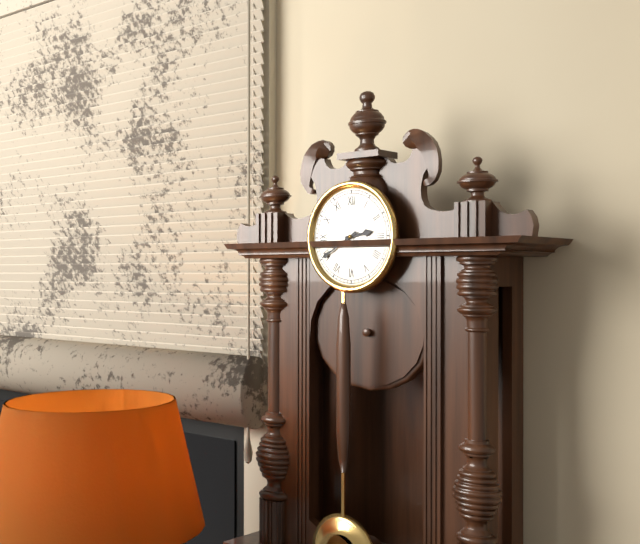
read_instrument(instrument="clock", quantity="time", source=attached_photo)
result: 2:40
